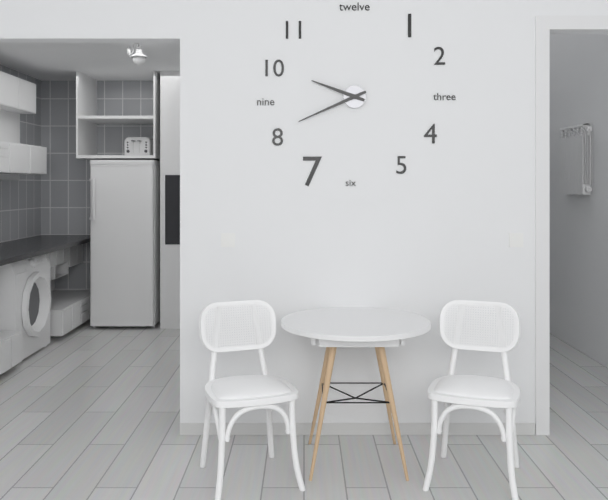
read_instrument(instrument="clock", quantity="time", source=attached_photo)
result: 9:41
